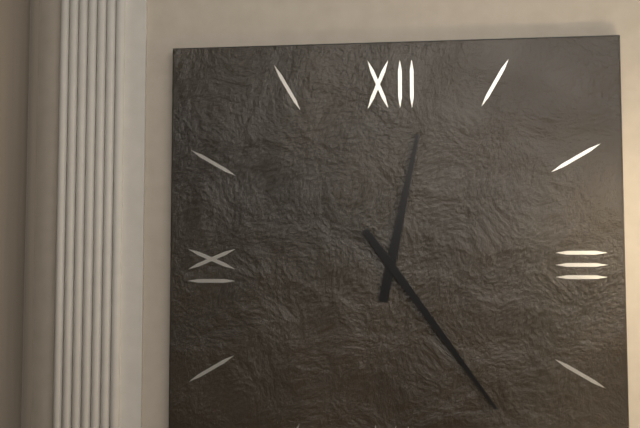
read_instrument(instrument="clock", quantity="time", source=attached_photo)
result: 12:24
